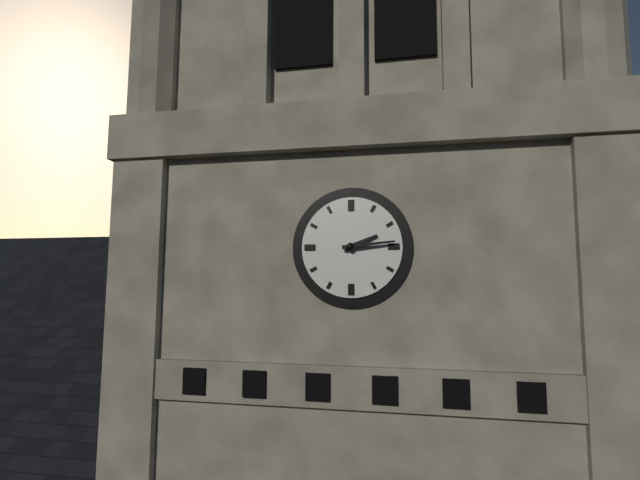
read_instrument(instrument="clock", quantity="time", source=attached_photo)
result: 2:14
